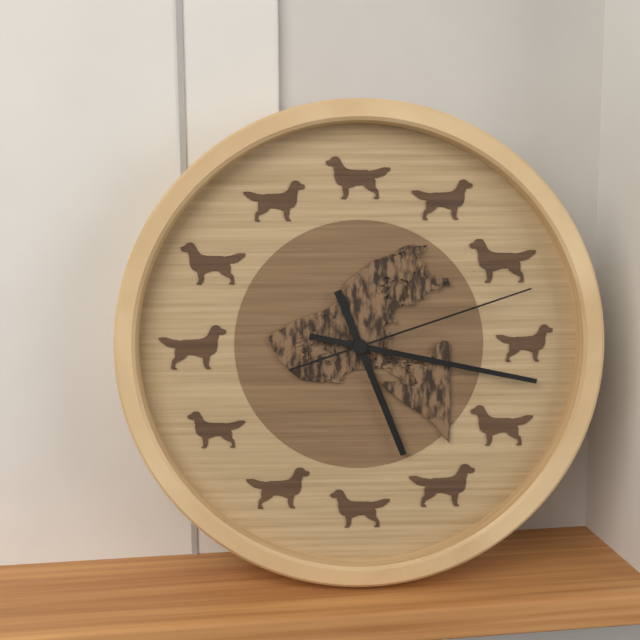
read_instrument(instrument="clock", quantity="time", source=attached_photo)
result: 5:17:12
